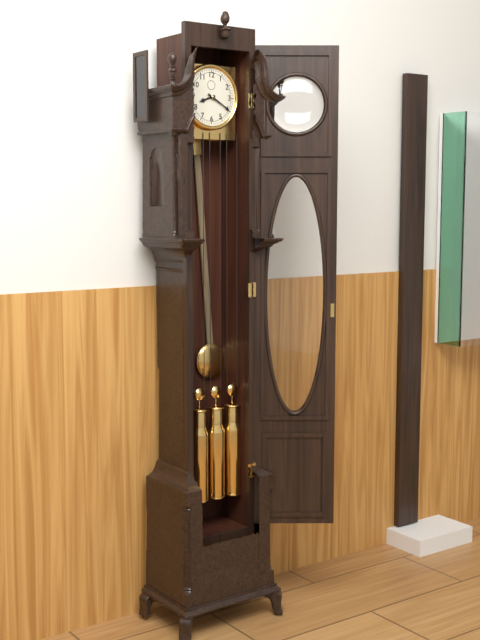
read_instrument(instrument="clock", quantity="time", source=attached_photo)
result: 8:20
